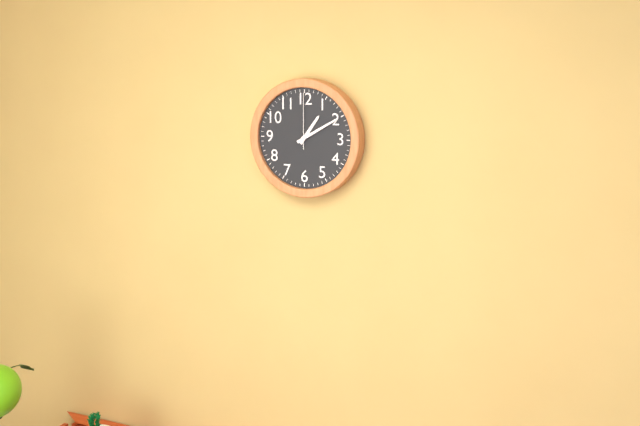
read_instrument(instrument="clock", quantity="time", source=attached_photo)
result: 1:10:00
